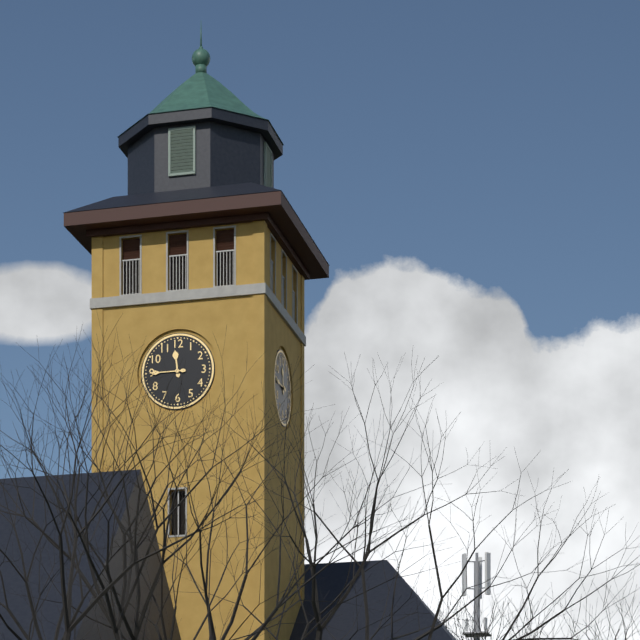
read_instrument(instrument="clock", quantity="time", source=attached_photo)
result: 11:45
